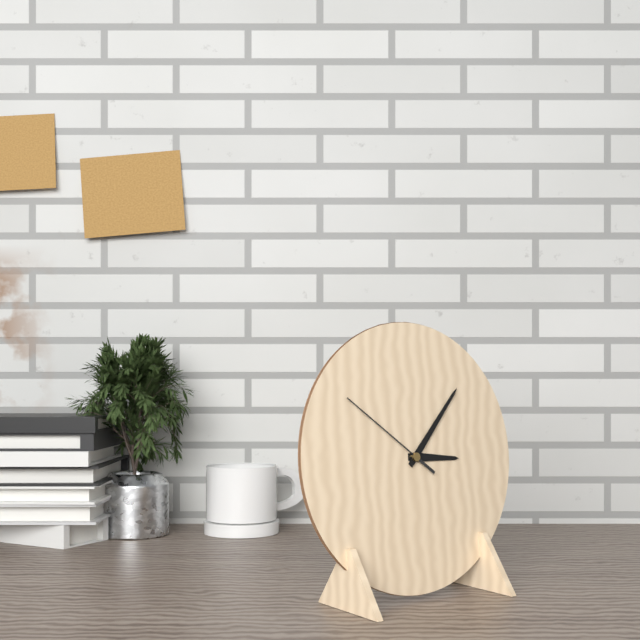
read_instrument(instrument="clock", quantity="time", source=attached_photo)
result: 3:07:51
